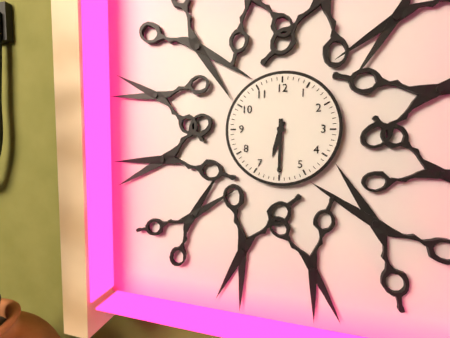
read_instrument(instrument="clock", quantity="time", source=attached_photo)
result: 6:30
